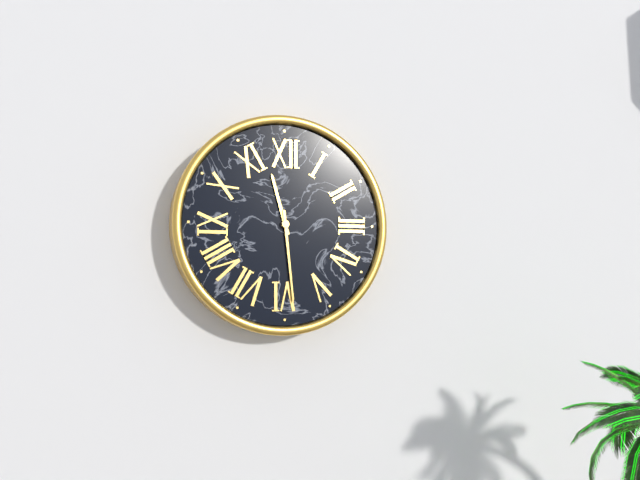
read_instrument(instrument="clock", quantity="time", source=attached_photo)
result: 11:29
